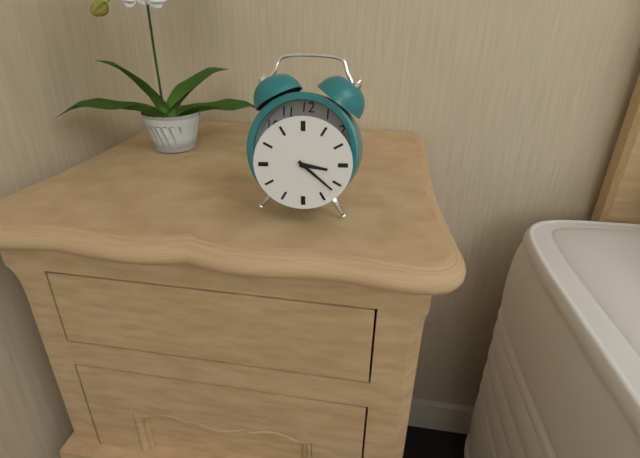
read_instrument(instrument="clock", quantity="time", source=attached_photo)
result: 3:22
